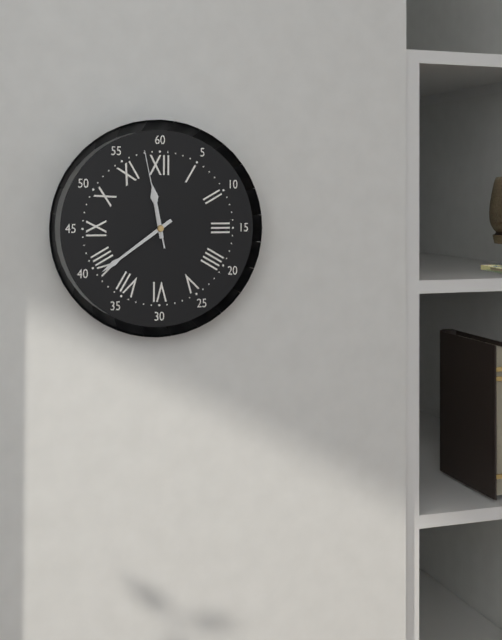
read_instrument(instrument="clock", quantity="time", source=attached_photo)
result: 11:39:58
